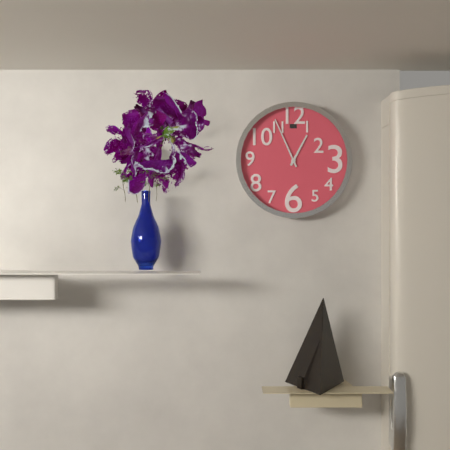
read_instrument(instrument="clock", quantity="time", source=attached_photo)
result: 12:56
